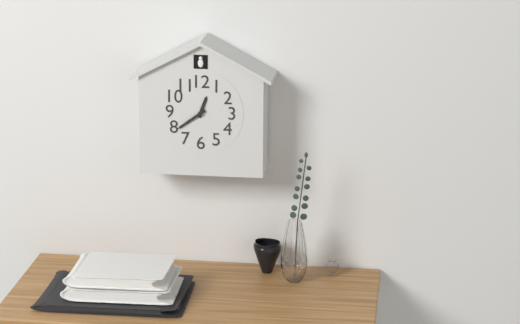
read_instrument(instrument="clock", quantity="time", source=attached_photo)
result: 12:39
